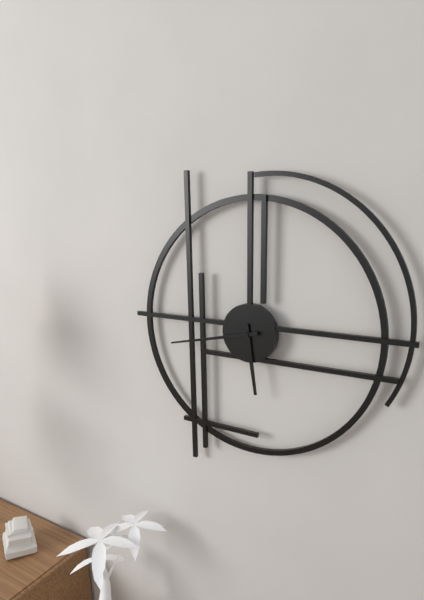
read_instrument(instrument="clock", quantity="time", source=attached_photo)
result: 5:43
